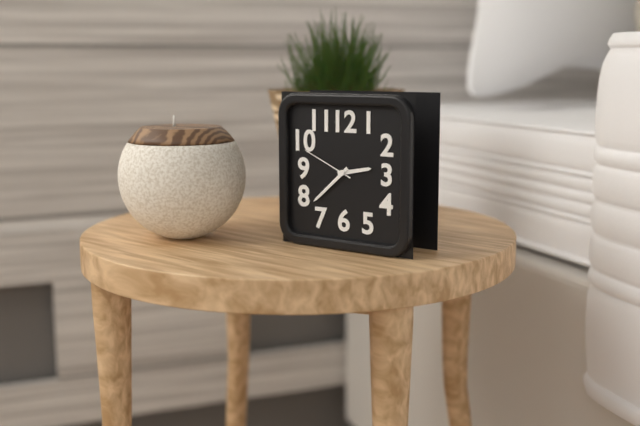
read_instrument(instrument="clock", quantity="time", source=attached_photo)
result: 2:38:49
